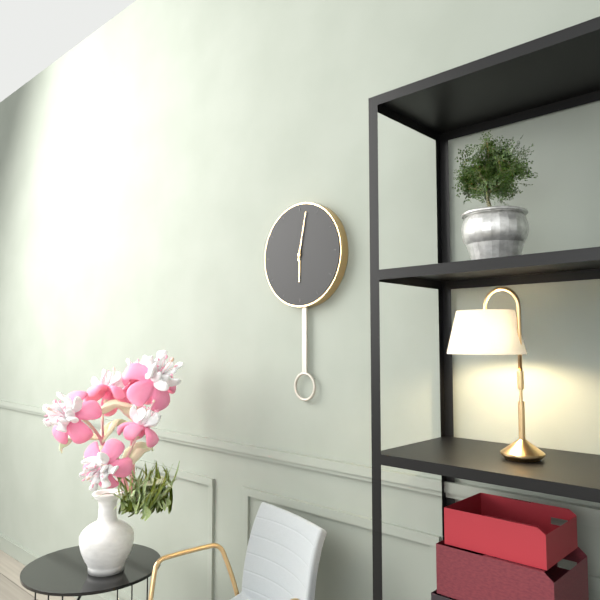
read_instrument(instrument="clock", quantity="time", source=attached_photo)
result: 6:02
